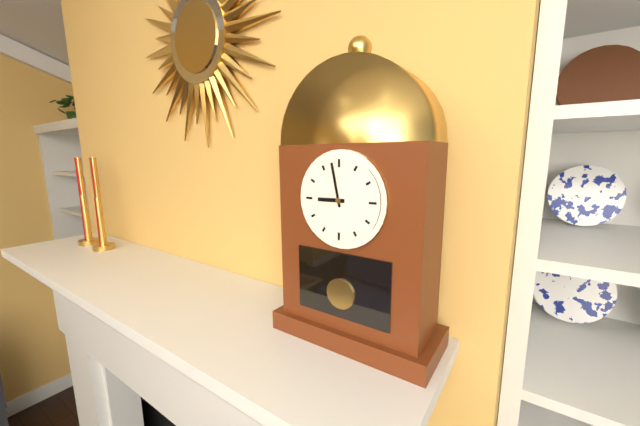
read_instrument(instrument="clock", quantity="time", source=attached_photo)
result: 8:58
